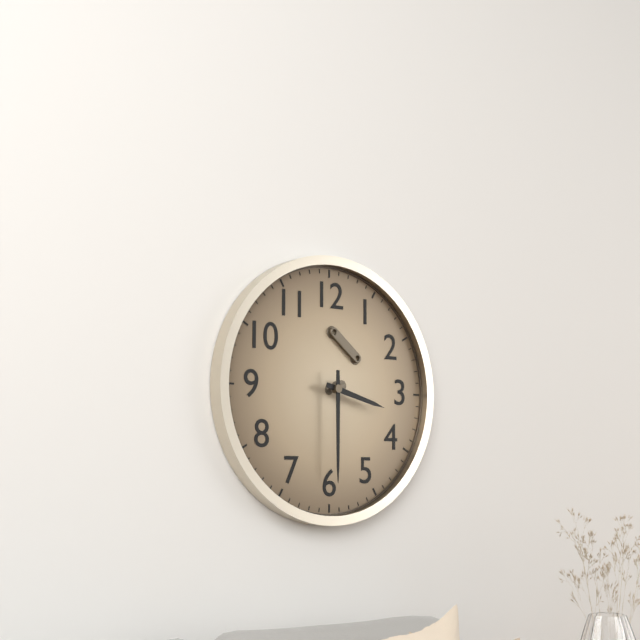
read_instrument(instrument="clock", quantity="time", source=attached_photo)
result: 3:30
